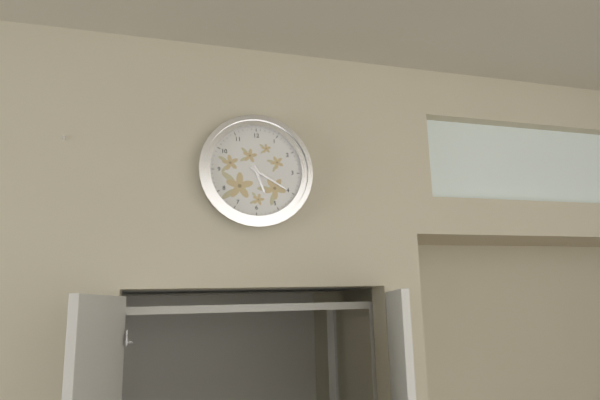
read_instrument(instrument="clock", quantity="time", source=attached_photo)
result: 5:20
